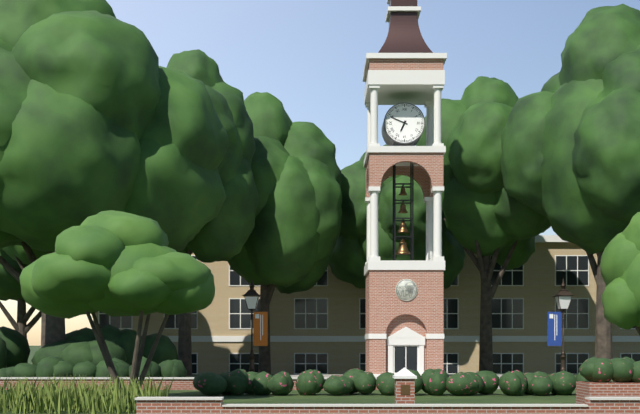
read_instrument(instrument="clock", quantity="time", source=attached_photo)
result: 6:49
